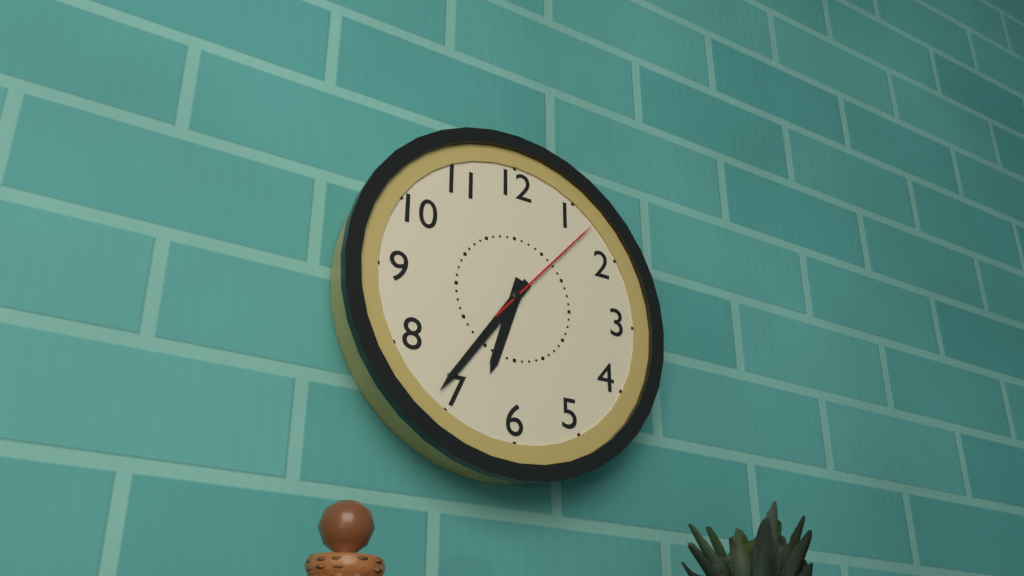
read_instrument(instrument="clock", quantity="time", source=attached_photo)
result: 6:36:07
